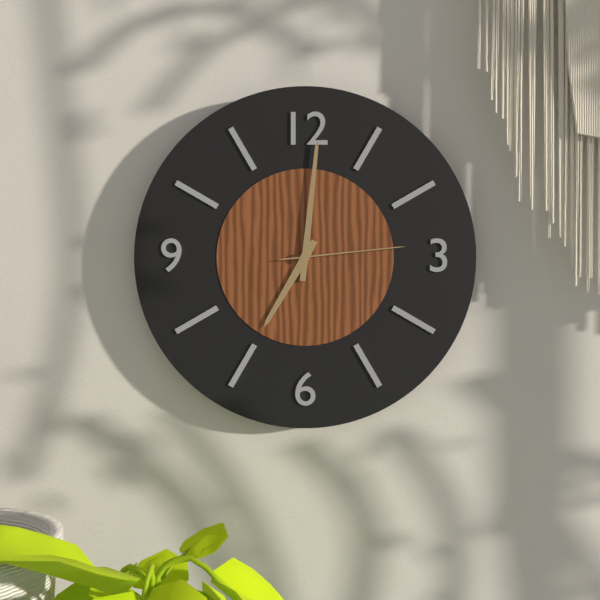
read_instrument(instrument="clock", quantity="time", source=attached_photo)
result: 7:01:14
